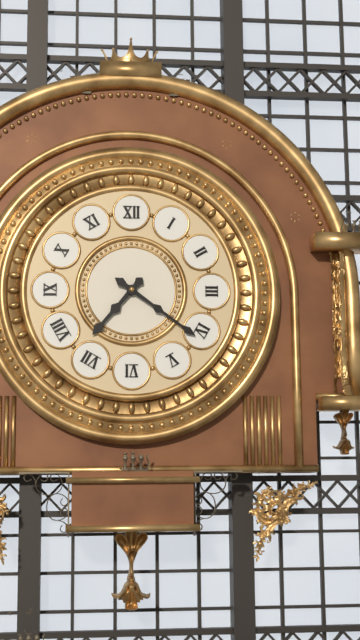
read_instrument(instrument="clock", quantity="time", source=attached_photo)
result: 7:21
